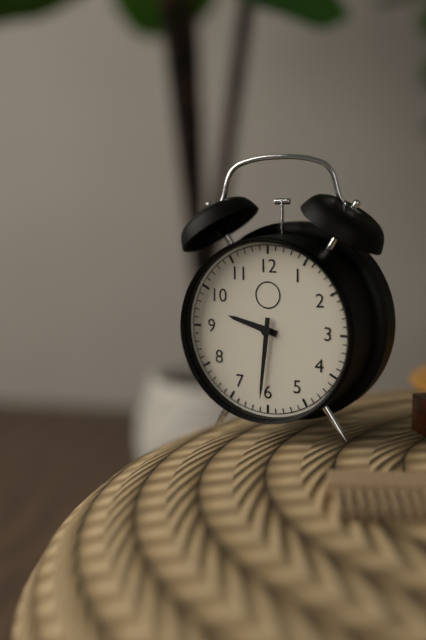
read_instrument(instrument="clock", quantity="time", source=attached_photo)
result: 9:31
